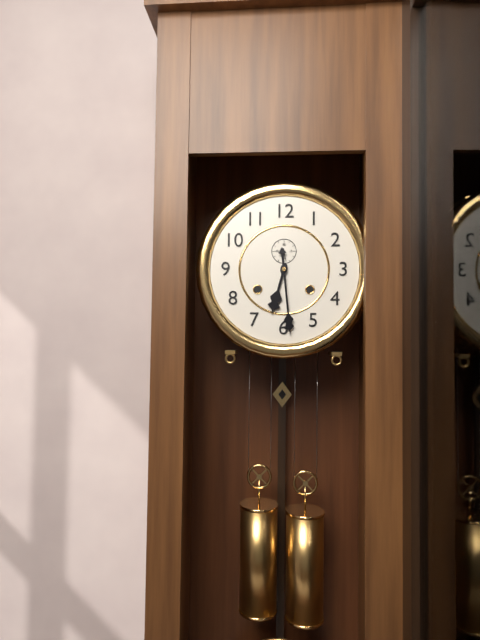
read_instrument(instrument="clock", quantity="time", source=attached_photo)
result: 6:29
